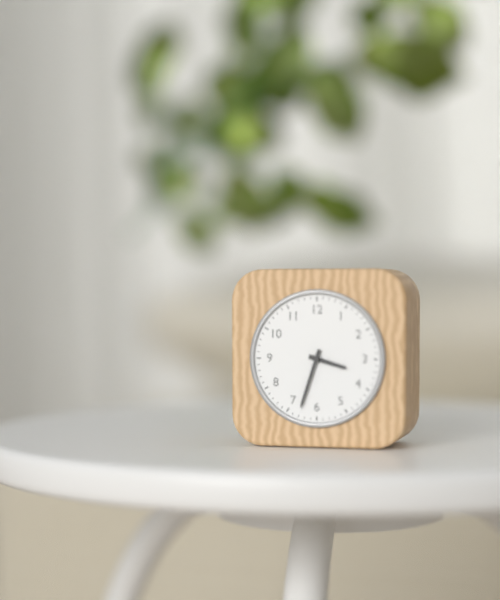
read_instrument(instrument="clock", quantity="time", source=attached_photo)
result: 3:33
